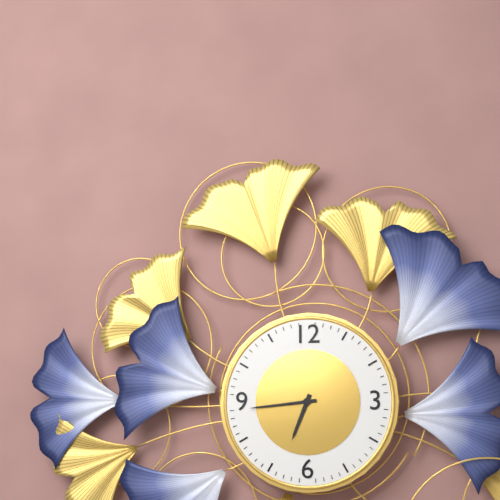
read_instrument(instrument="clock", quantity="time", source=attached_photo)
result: 6:44
